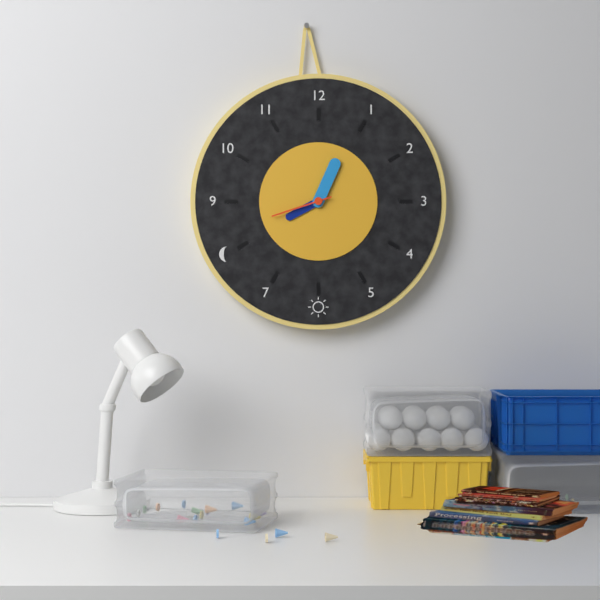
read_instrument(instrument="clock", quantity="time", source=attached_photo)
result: 8:04:42
